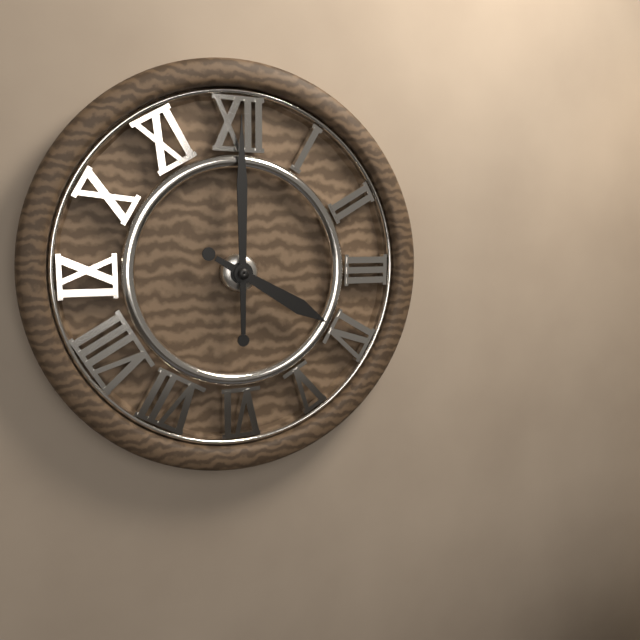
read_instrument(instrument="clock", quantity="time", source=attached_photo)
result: 4:00
